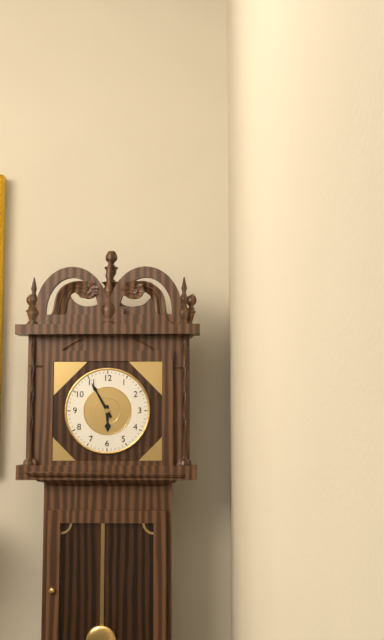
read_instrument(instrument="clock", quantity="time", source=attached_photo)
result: 5:55
